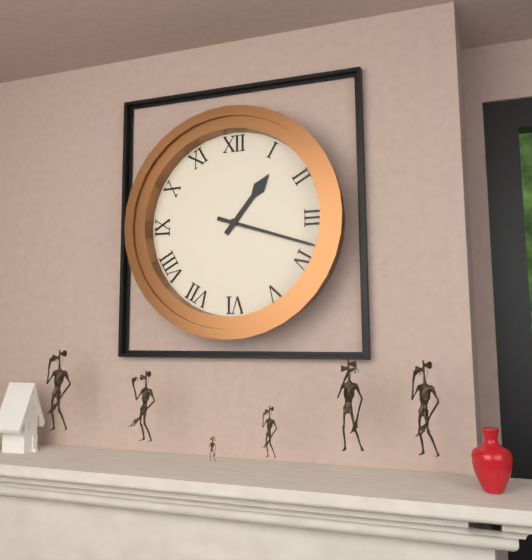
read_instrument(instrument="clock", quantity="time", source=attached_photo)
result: 1:18
